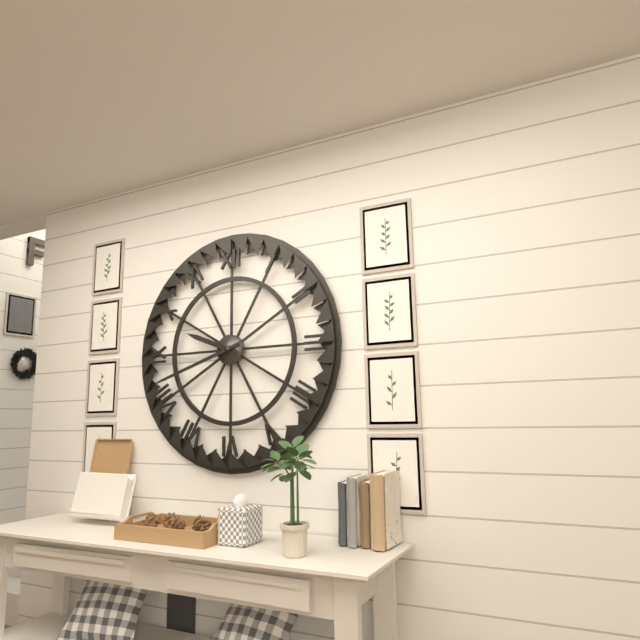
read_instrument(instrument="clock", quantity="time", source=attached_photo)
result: 9:42
